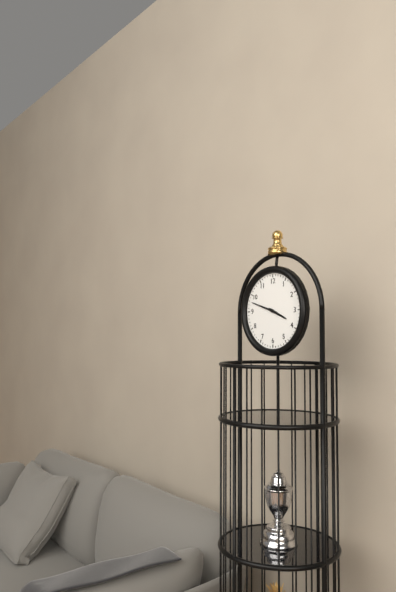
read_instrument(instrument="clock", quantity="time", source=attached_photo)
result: 3:48
